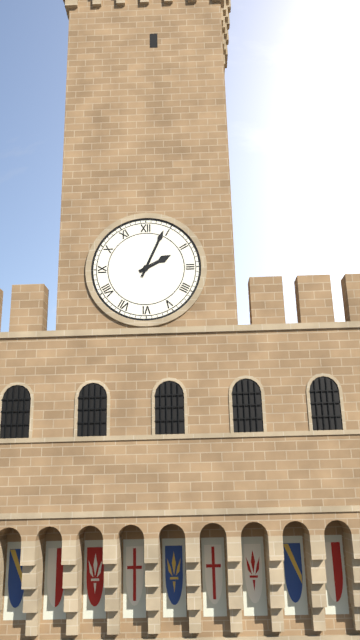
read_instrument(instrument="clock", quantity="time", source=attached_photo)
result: 2:04
